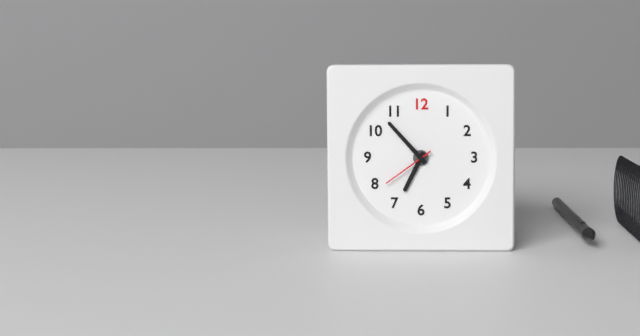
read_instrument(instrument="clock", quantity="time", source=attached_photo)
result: 6:53:39
